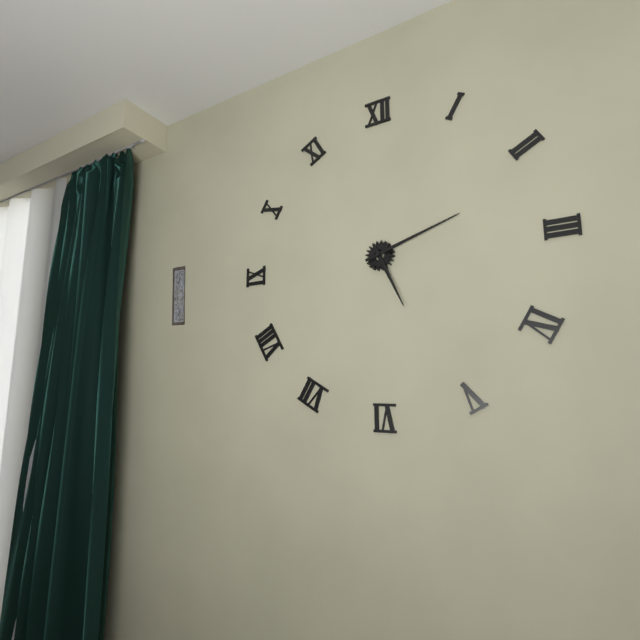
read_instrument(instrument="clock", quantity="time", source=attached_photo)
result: 5:12
